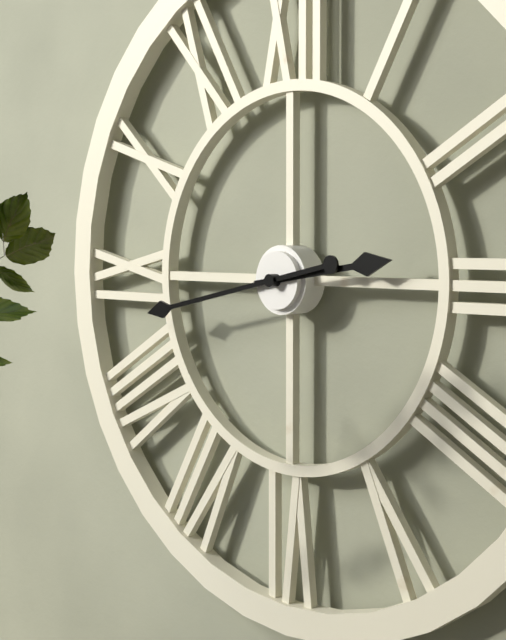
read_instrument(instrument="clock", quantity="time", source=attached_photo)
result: 2:43
